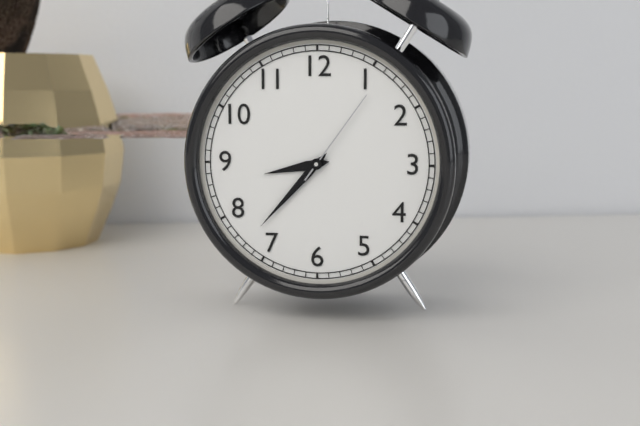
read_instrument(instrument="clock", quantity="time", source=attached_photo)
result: 8:37:06
